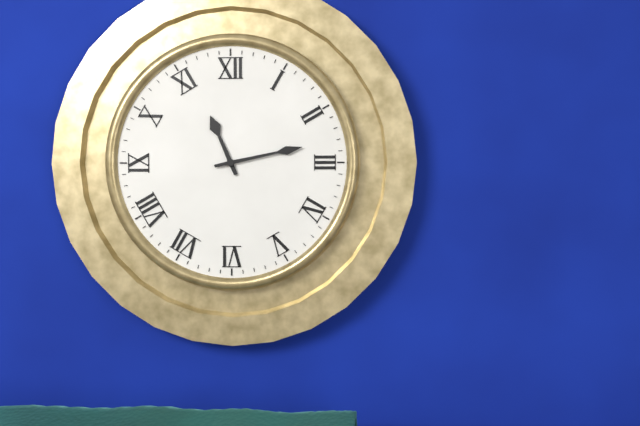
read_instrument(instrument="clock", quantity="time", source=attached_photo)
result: 11:13
